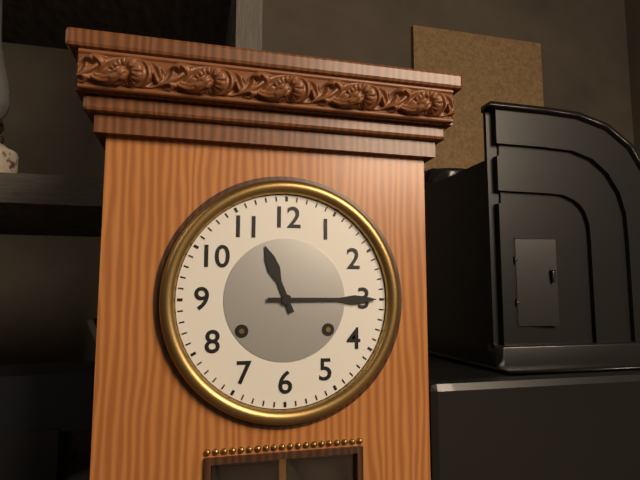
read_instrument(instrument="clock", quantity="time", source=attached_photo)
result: 11:15
